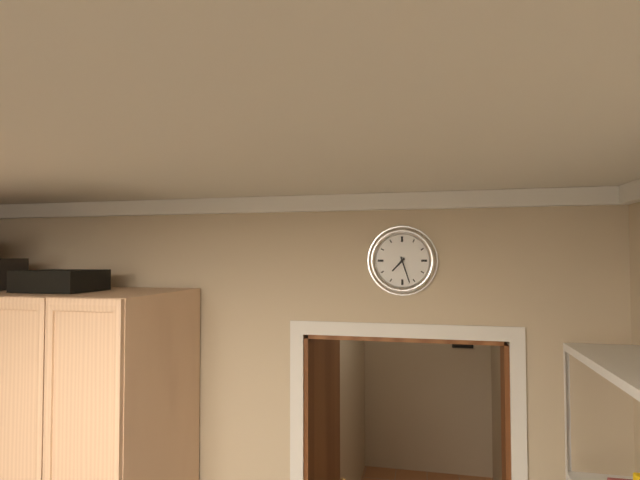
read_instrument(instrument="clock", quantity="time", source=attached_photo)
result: 7:27
